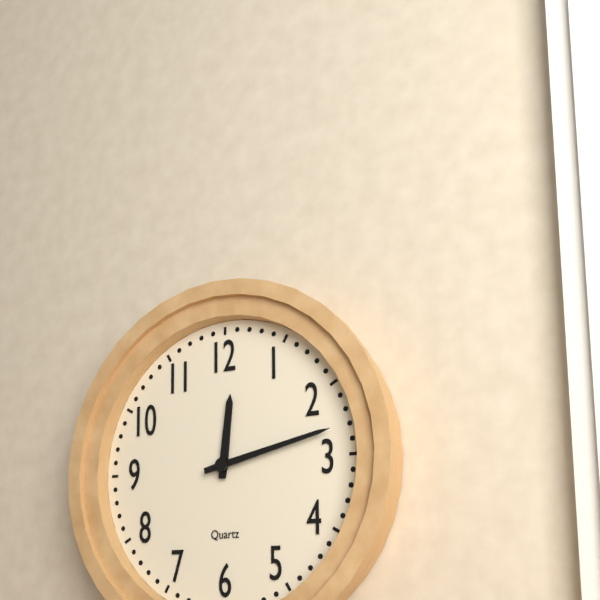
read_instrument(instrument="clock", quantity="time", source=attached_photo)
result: 12:13
